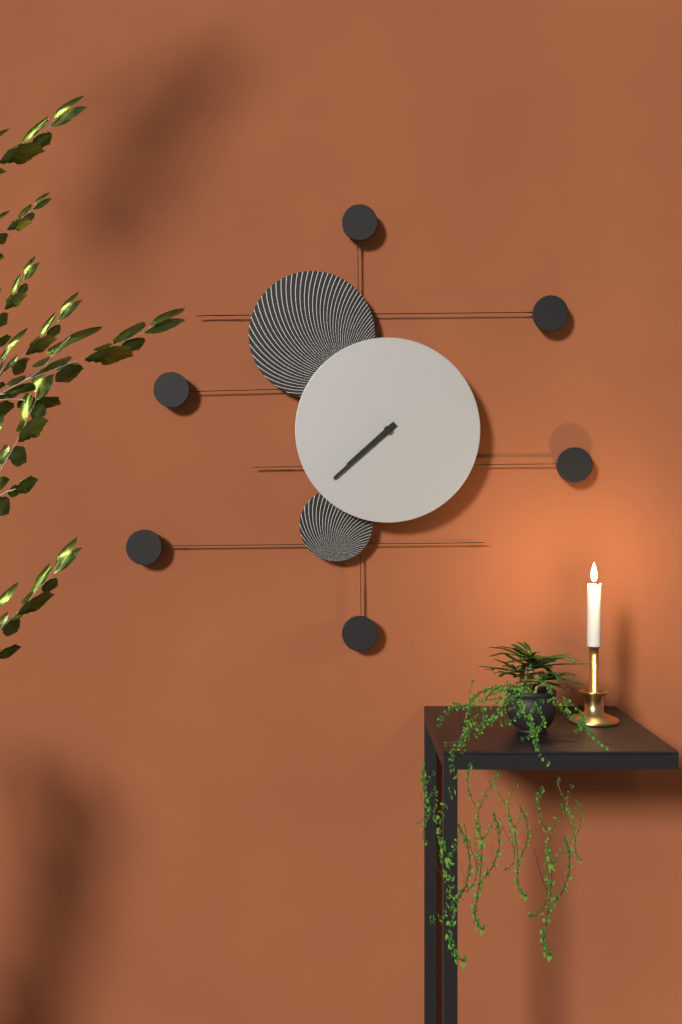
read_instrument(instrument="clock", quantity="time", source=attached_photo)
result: 7:38
